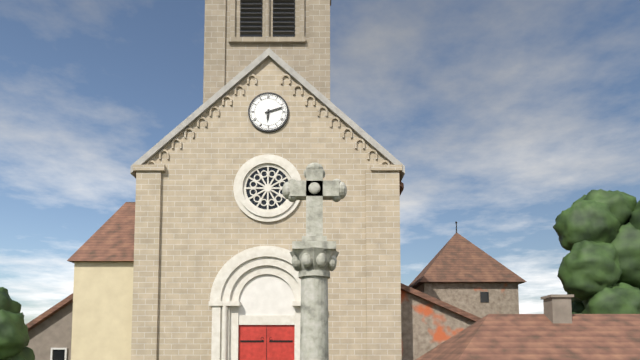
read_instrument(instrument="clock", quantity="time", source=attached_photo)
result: 6:12
